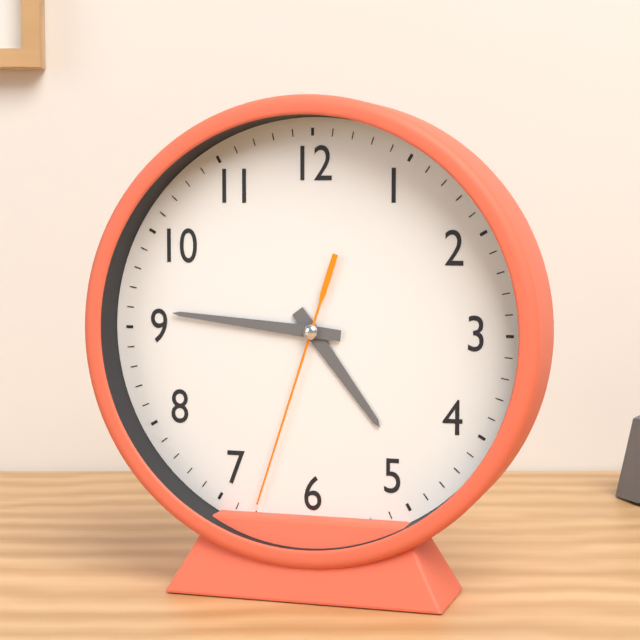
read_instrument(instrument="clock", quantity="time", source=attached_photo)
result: 4:46:33
